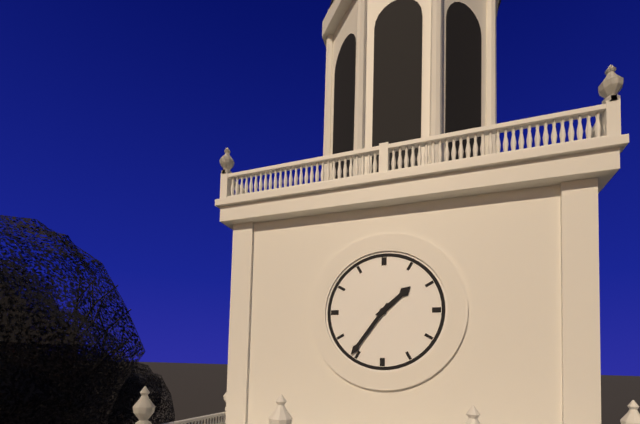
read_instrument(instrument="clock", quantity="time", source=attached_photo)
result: 1:36
